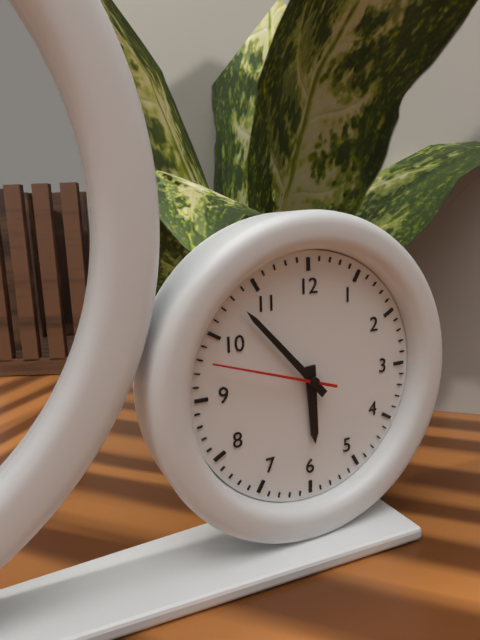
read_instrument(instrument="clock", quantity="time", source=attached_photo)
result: 5:53:48
